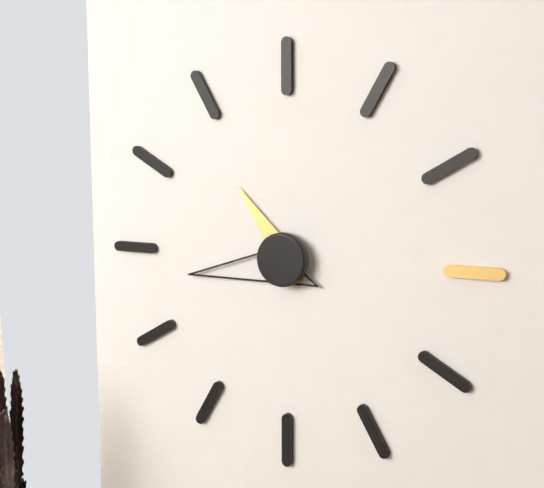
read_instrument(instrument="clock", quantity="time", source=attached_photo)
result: 10:43
